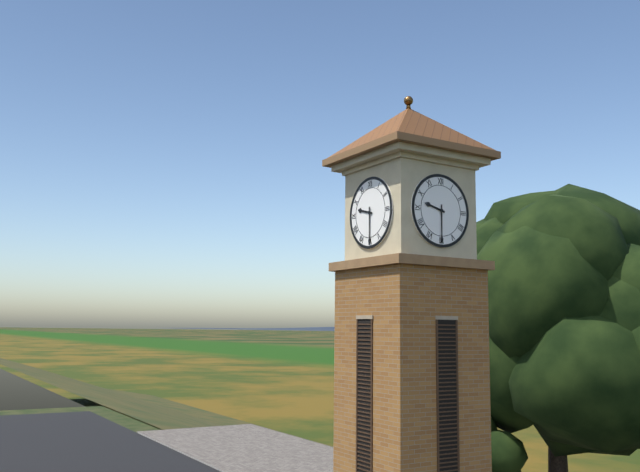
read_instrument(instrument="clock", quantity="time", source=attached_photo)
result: 9:30
